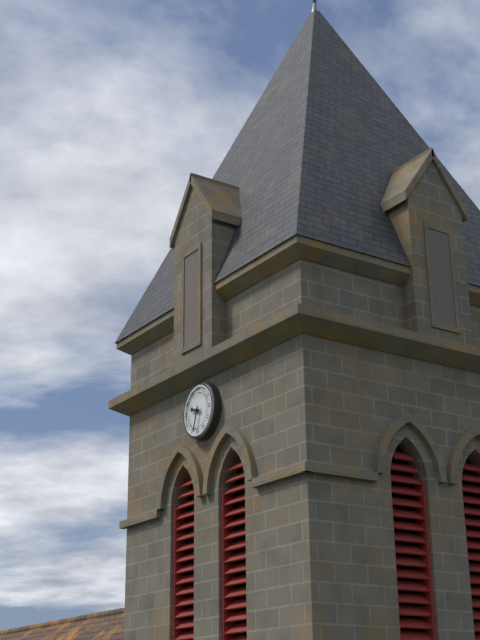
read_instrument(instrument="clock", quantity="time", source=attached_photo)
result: 9:33
